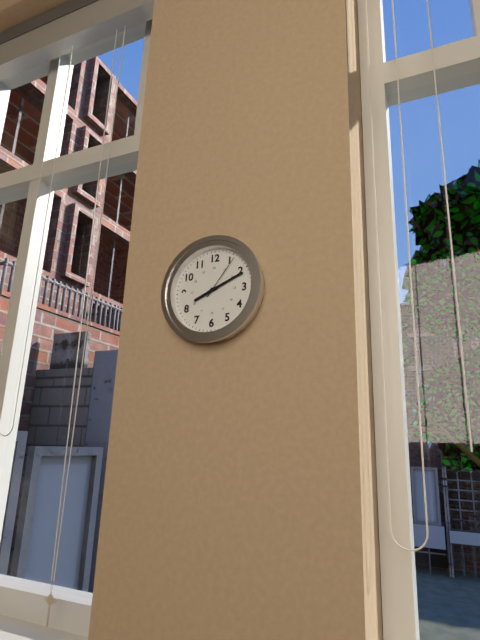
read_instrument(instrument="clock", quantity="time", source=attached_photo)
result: 8:11
